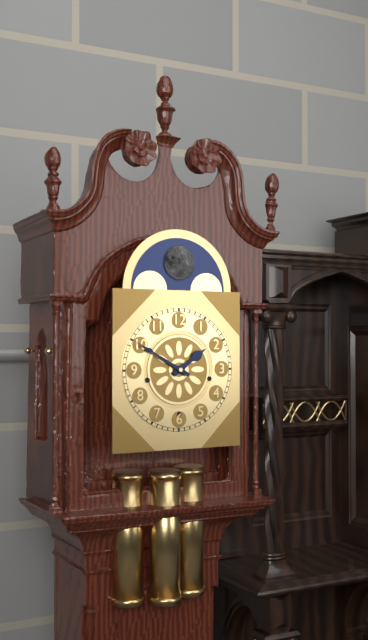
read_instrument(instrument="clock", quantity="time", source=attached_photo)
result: 1:50
